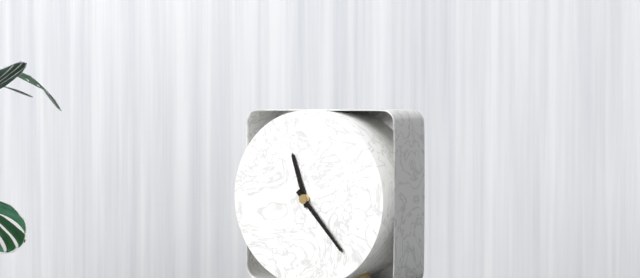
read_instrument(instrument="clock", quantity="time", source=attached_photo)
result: 11:23
